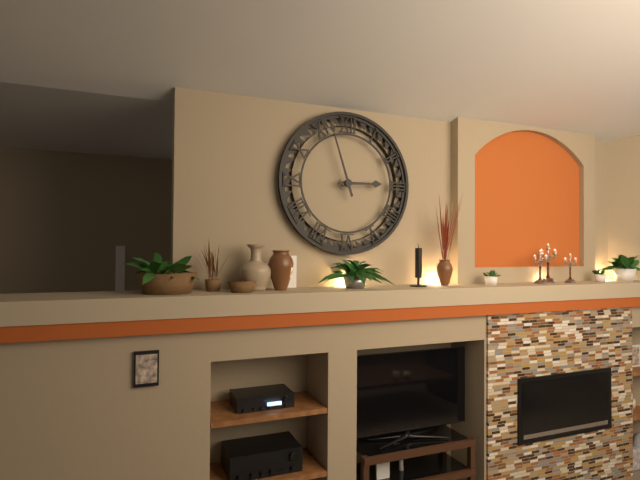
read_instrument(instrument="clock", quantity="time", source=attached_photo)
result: 2:57
